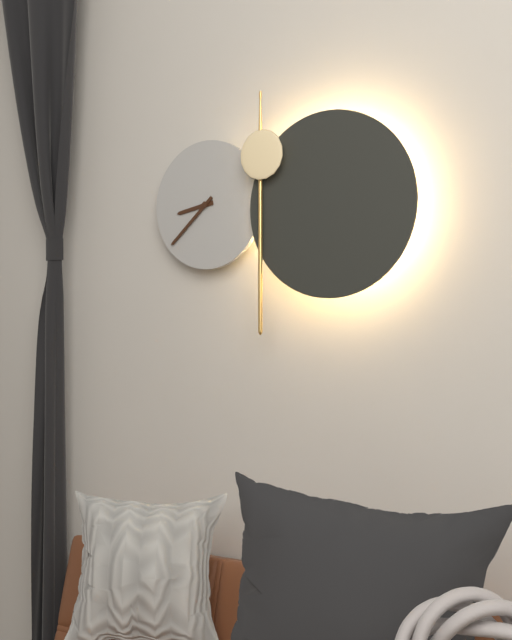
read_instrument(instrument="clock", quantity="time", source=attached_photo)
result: 8:38
